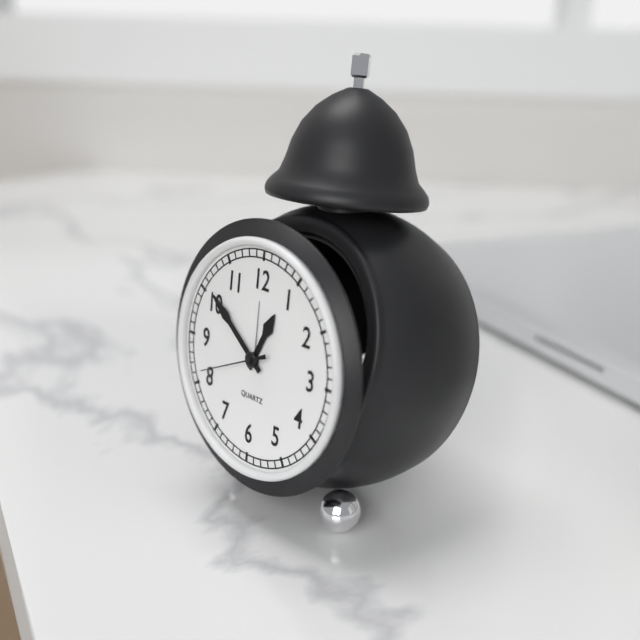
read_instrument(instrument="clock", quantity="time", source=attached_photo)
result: 12:51:41
